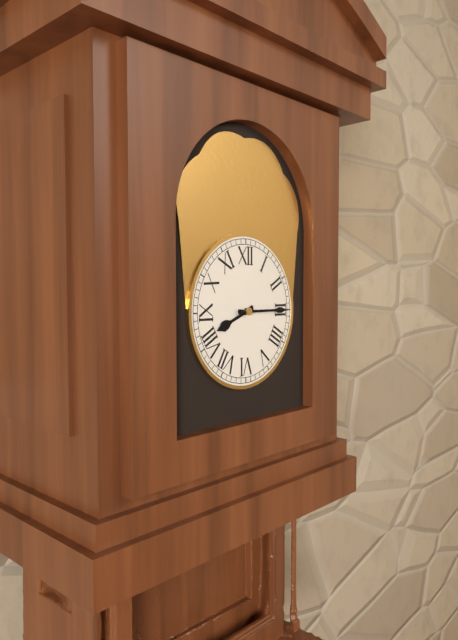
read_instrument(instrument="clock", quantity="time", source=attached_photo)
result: 8:15
